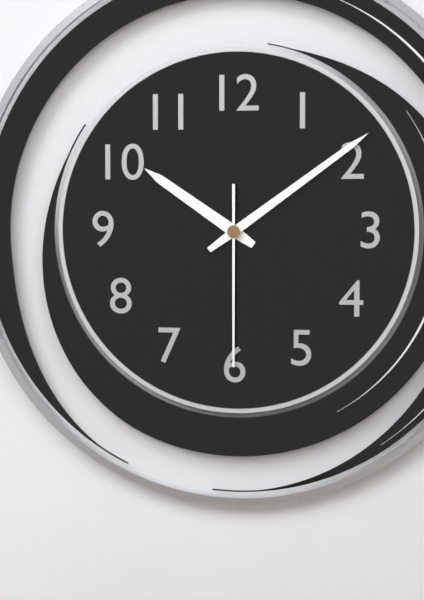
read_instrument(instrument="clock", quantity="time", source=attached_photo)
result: 10:09:30
